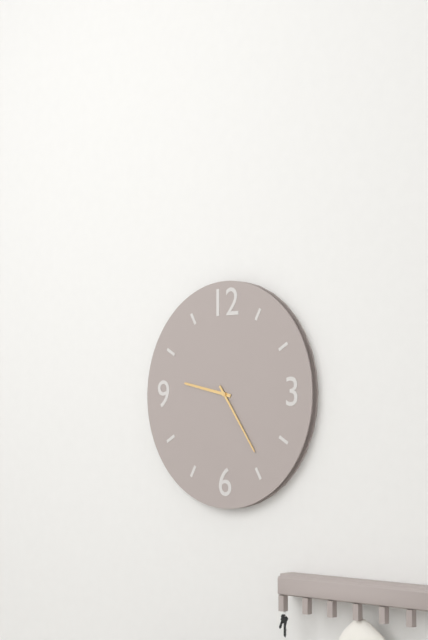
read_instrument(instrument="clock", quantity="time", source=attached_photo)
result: 9:24
